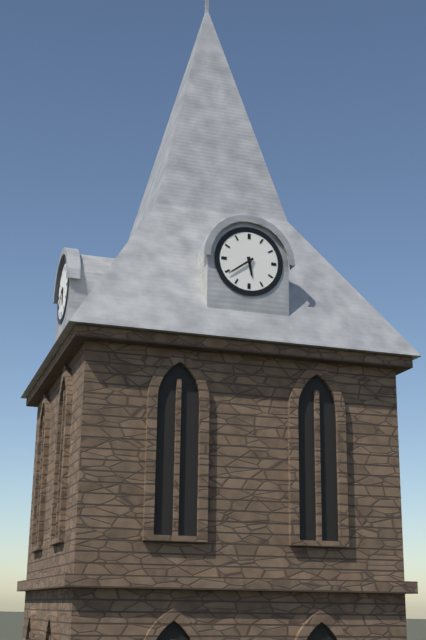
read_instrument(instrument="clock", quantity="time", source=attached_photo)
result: 5:39
